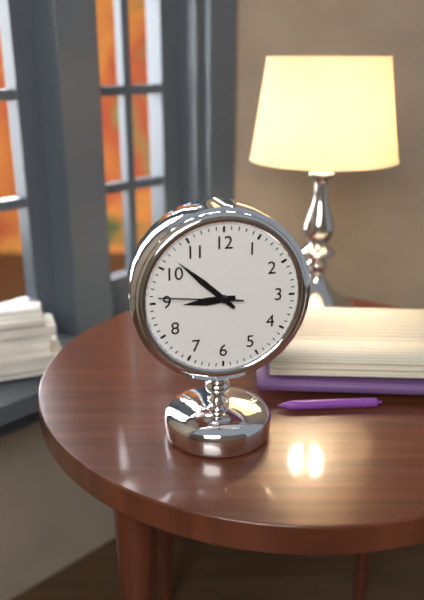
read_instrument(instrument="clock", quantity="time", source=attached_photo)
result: 8:52:46
